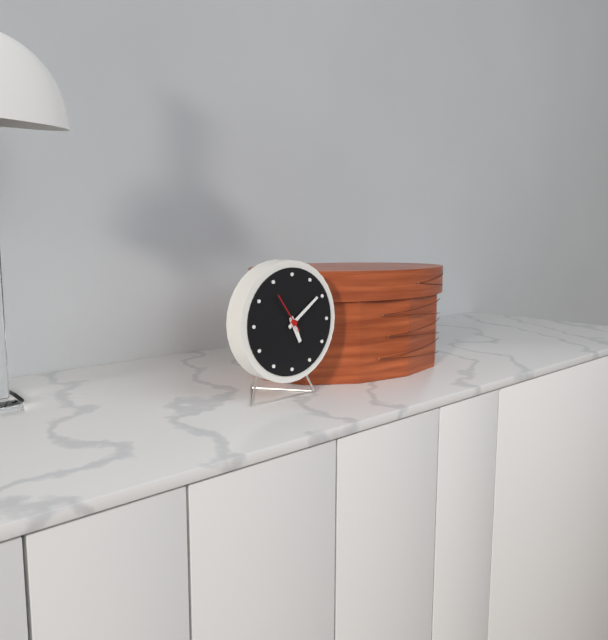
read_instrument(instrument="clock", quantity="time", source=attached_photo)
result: 5:09
